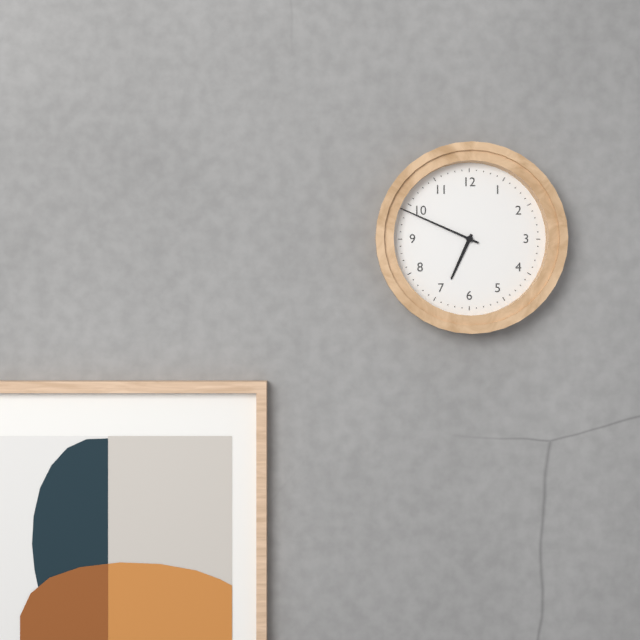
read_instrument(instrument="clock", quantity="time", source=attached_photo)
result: 6:49
